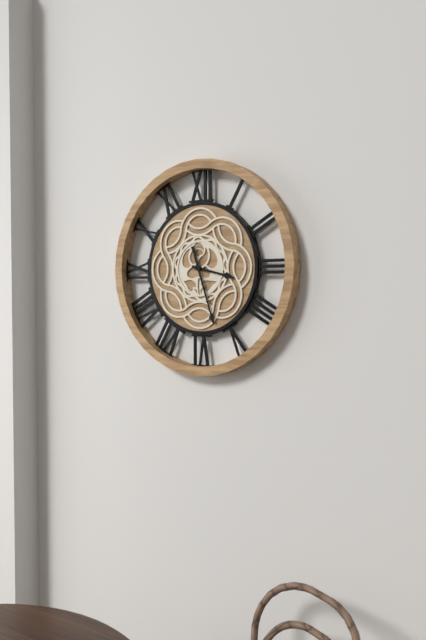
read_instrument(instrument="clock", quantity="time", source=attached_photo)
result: 3:27
